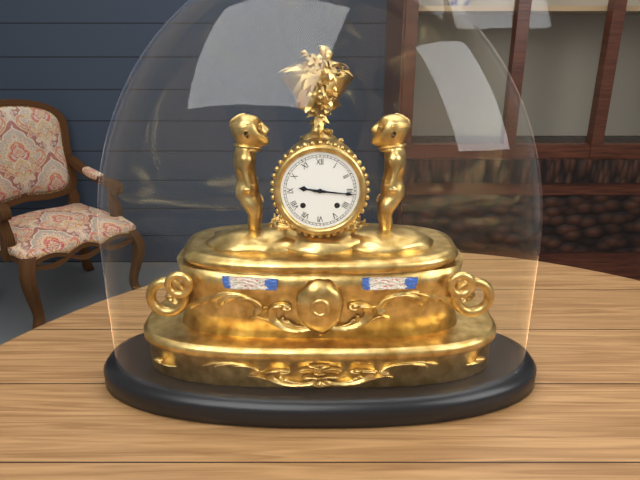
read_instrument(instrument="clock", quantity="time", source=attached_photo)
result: 9:16
